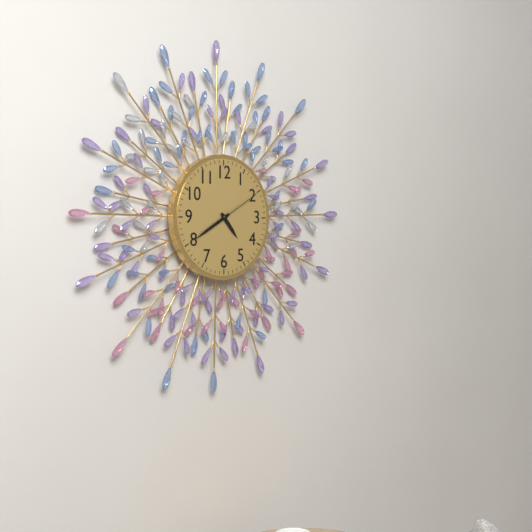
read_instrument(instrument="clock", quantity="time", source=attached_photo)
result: 4:40:10
